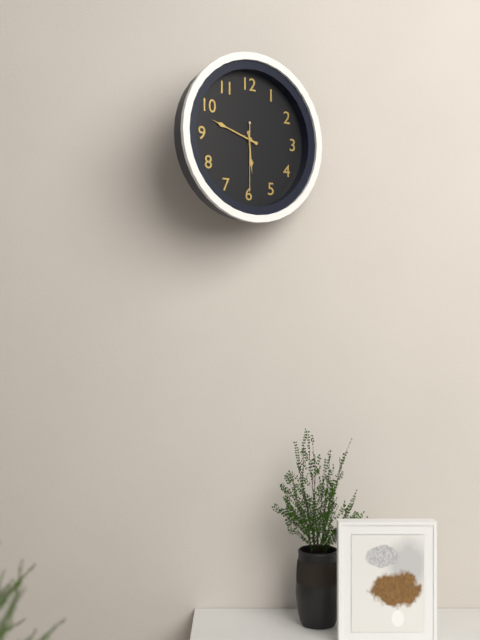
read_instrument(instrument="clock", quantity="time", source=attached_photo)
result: 5:48:30
